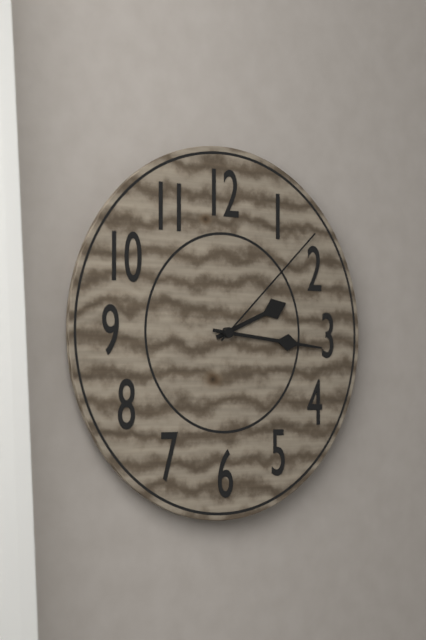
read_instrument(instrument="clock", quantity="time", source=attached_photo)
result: 2:16:08
